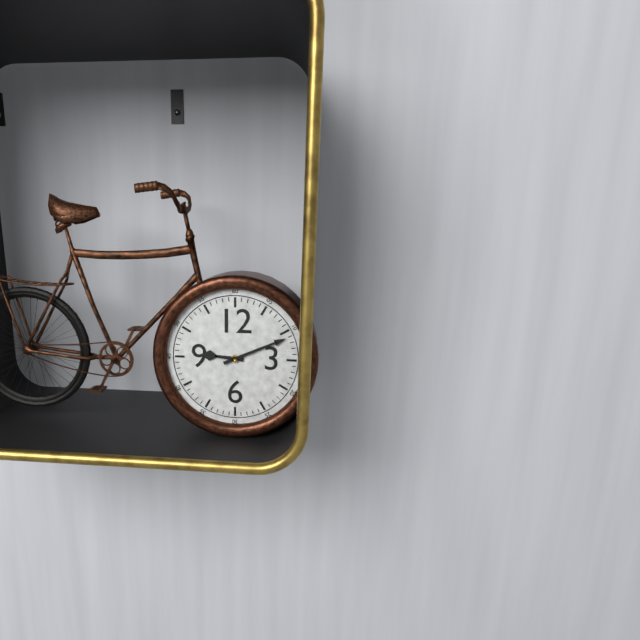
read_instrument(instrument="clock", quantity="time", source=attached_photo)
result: 9:11
